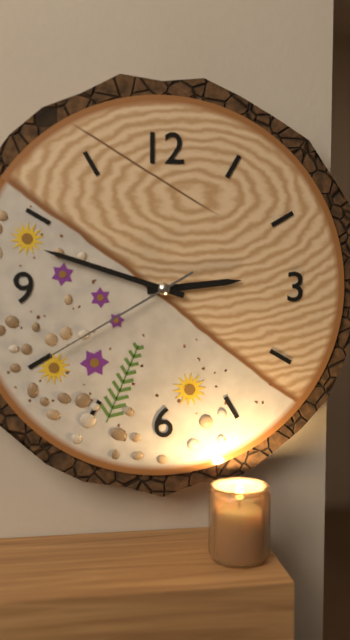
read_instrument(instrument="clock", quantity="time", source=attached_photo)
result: 2:48:40
